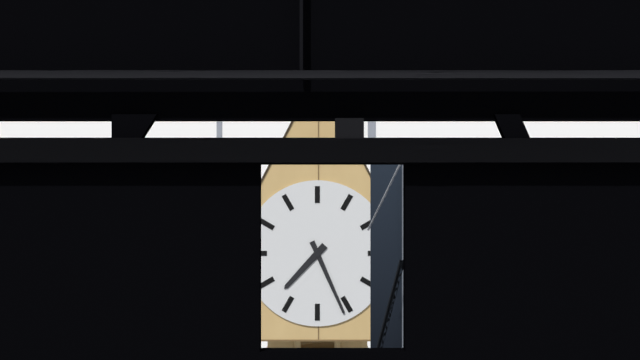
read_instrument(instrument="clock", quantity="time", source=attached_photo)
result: 7:26
